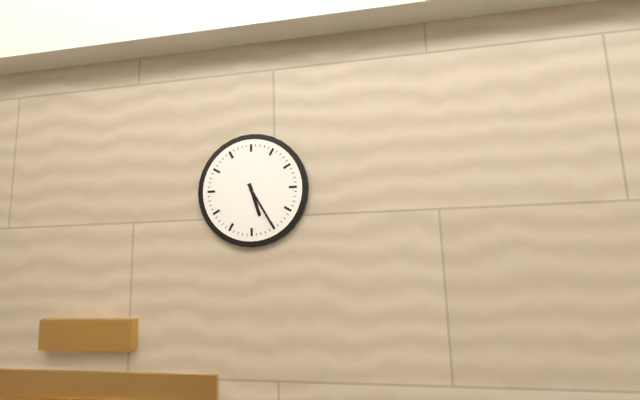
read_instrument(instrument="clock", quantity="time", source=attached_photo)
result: 5:25
